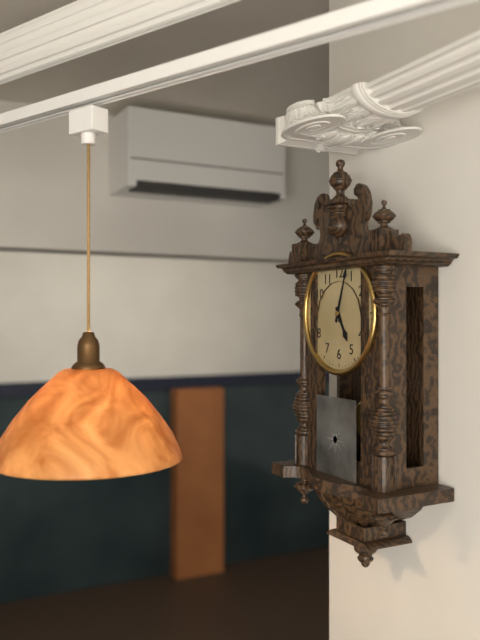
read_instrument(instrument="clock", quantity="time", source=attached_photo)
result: 5:03
